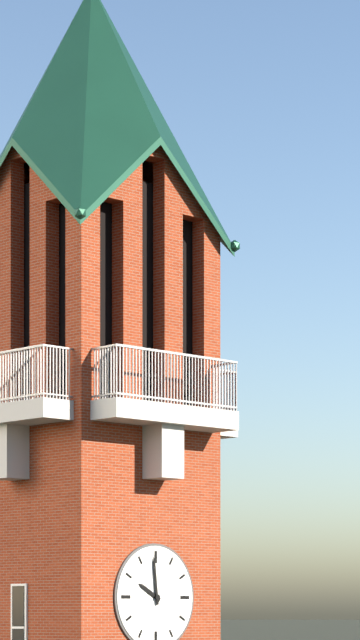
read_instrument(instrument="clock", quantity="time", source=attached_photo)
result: 9:59
